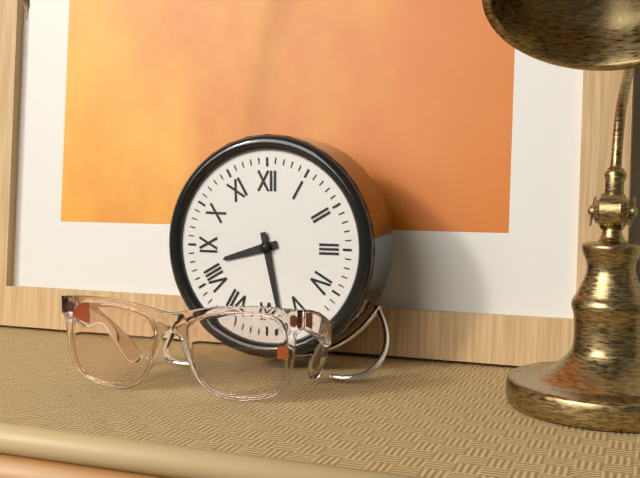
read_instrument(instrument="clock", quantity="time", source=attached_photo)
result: 8:28
